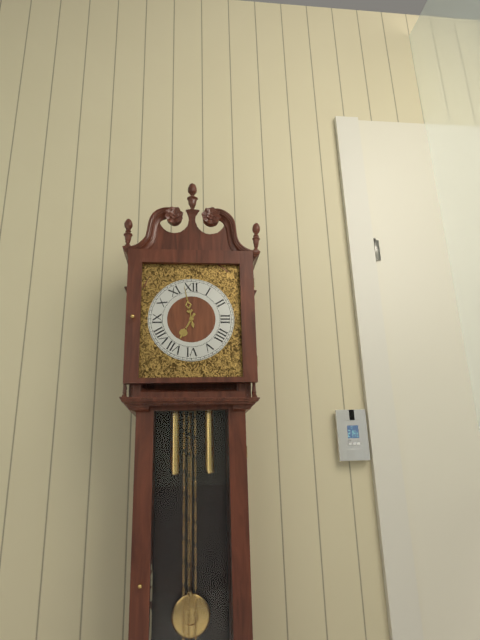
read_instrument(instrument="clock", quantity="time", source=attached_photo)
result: 6:58
